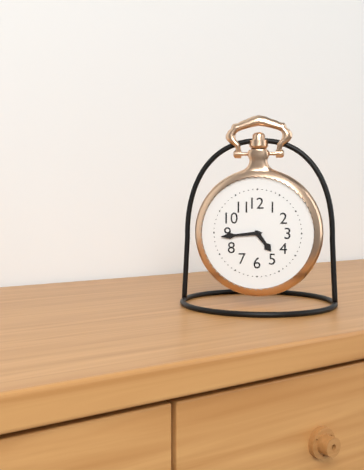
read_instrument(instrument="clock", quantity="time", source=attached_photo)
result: 4:44
